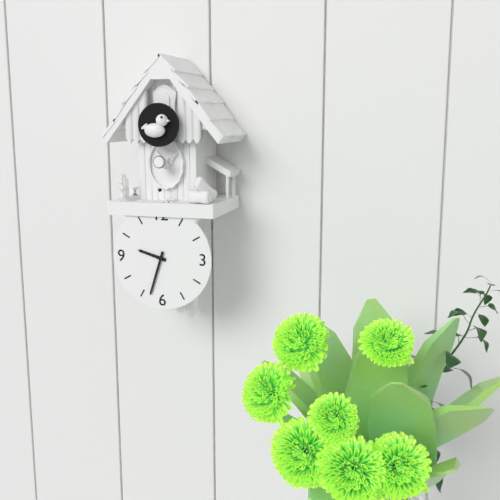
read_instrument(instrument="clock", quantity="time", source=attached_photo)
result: 9:33
